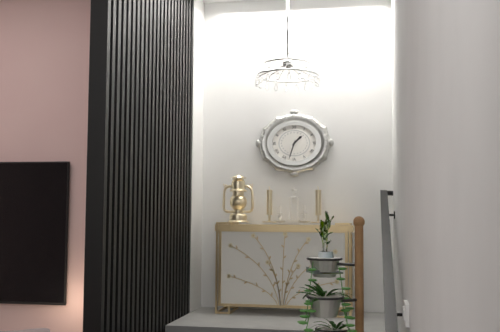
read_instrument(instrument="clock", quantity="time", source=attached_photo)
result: 1:33
